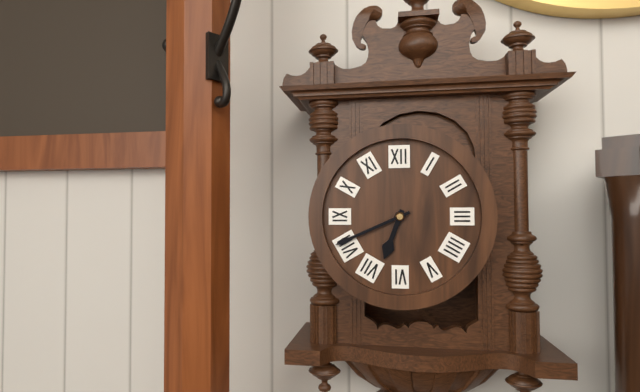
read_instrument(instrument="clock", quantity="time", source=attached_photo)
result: 6:41
